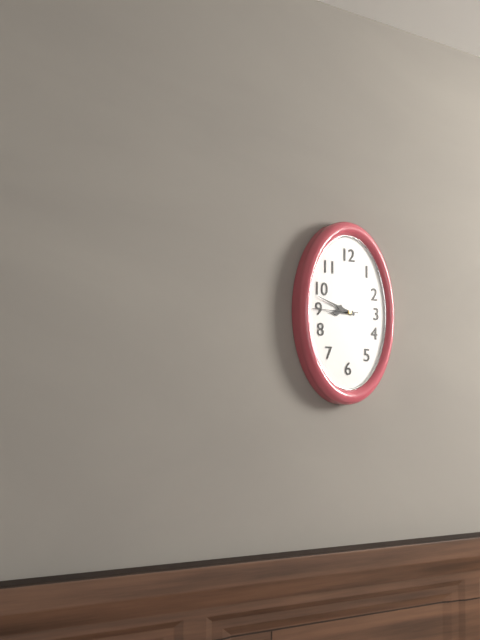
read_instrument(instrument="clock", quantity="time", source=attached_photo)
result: 8:48
